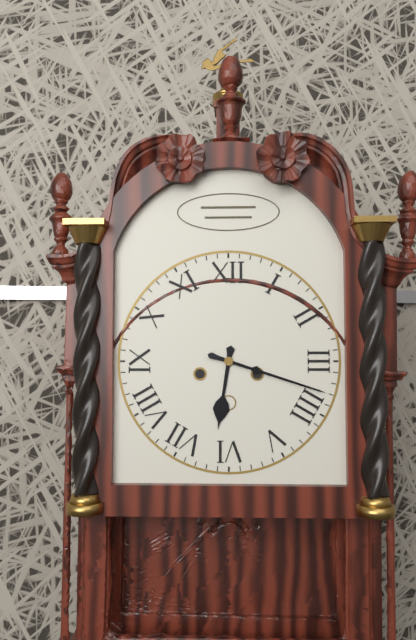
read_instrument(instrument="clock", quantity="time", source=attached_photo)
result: 6:18
